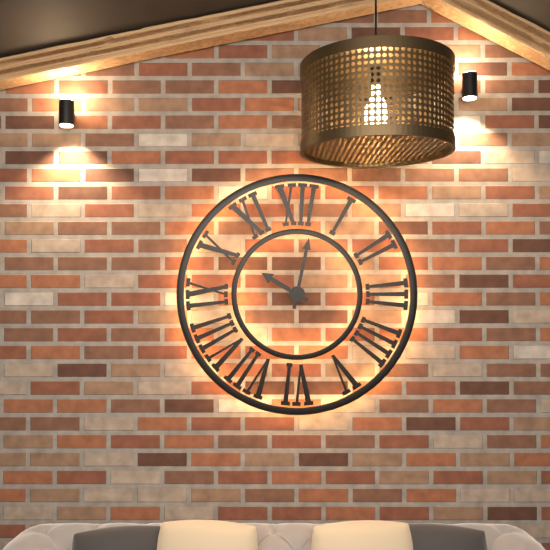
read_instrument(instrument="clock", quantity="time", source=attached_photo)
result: 10:02
